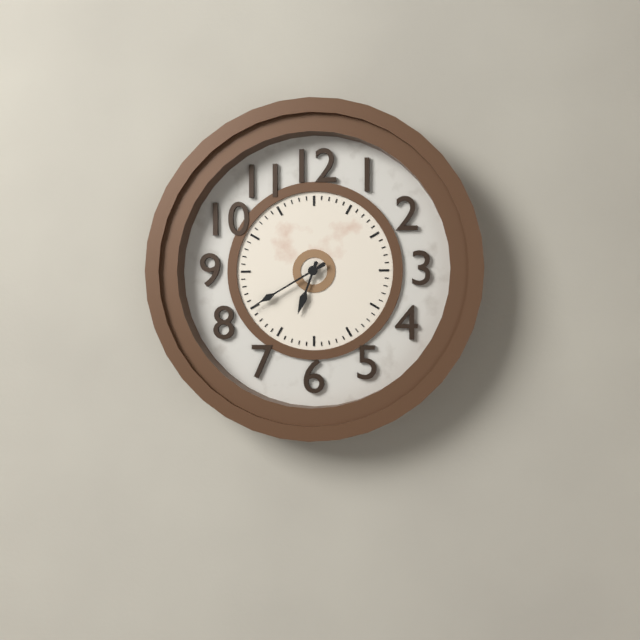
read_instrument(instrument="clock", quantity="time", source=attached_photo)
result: 6:40
